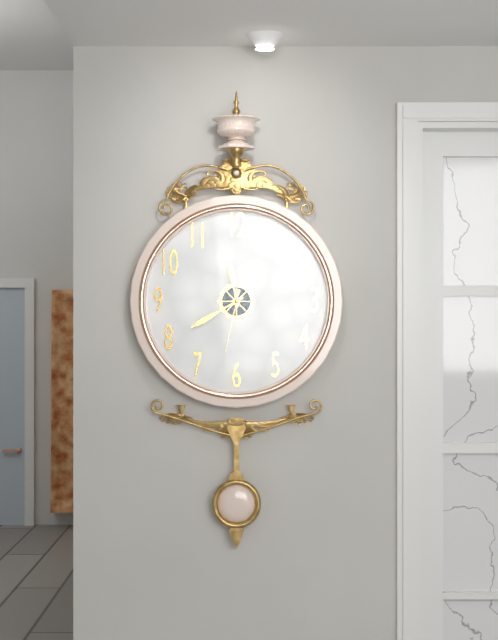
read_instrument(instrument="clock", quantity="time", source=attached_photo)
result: 11:40:32
